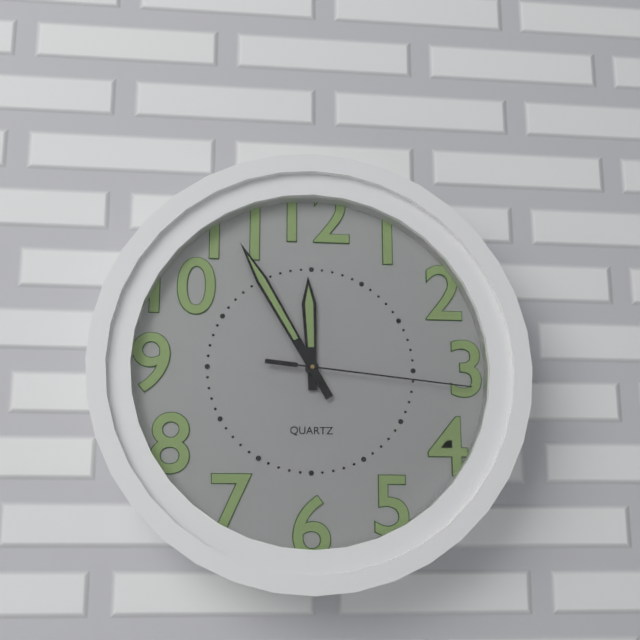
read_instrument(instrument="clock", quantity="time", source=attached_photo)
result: 11:55:16
